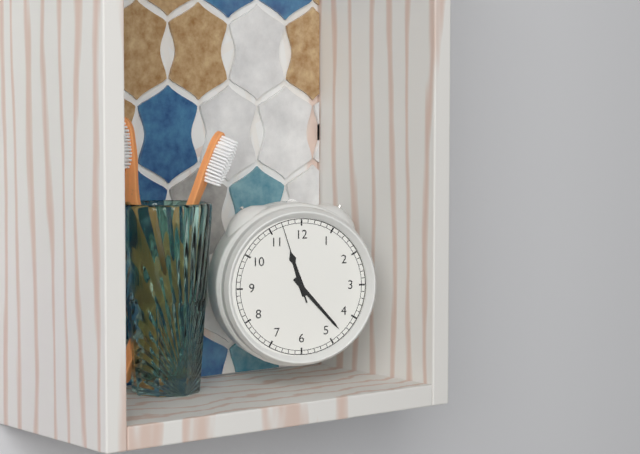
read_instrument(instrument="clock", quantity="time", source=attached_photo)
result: 11:23:57
